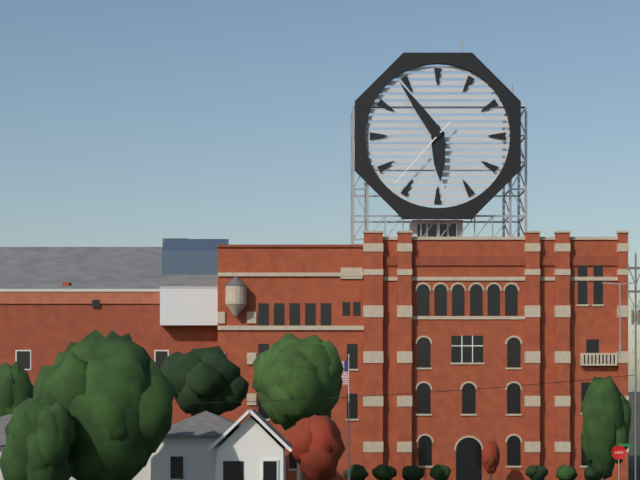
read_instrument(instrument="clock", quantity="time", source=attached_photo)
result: 5:54:37
